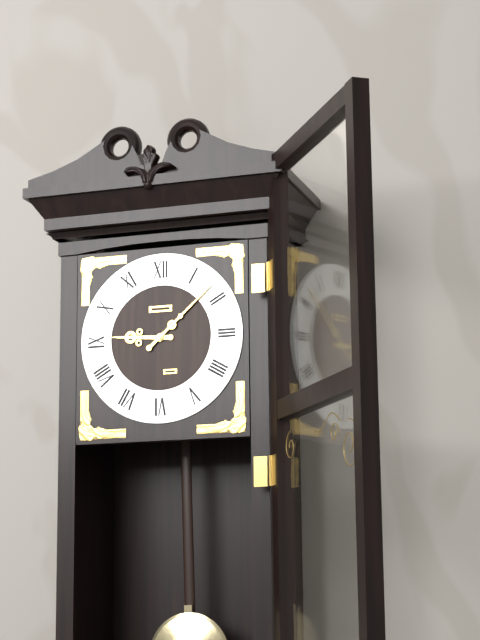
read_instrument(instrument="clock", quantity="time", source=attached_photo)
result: 9:08
